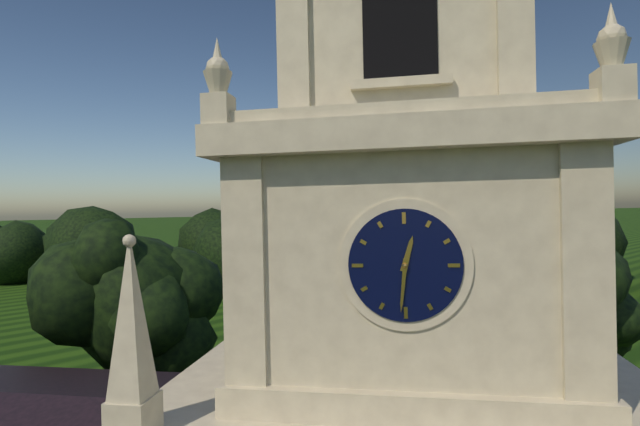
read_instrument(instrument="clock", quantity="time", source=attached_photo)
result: 12:31
